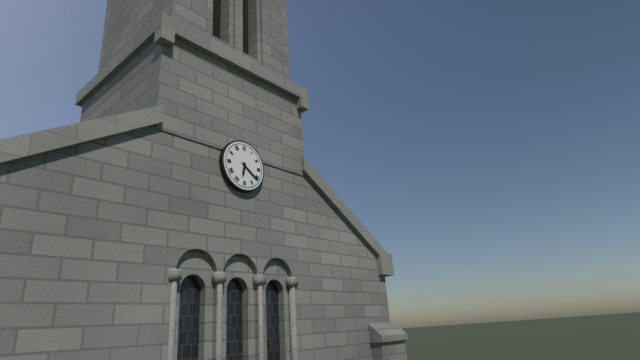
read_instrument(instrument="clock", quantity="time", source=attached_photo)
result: 6:21
